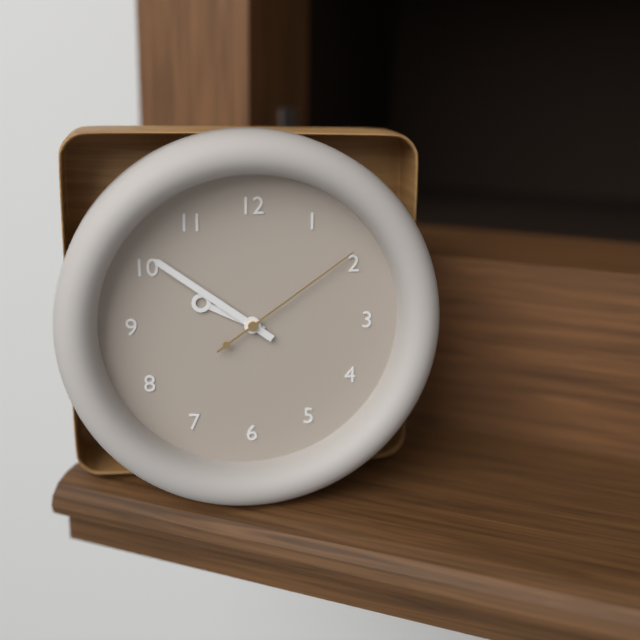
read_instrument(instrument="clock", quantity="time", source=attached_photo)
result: 9:51:09
